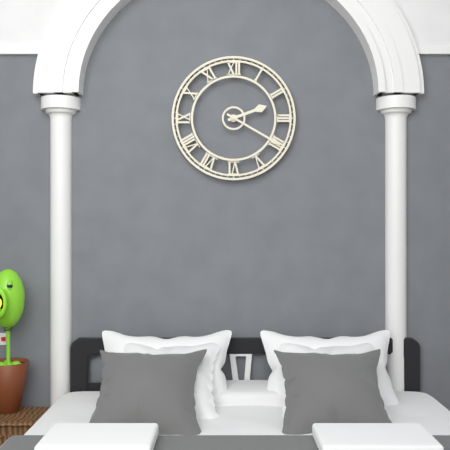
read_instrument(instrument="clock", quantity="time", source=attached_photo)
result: 2:20
